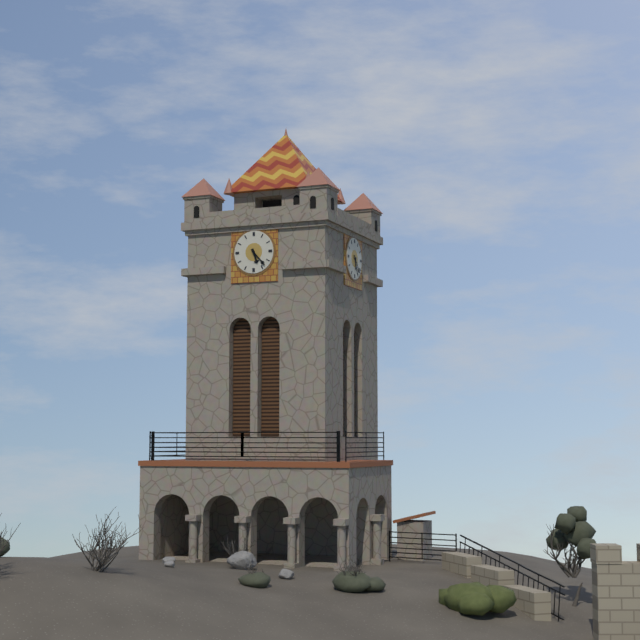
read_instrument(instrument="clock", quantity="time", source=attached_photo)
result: 5:23
